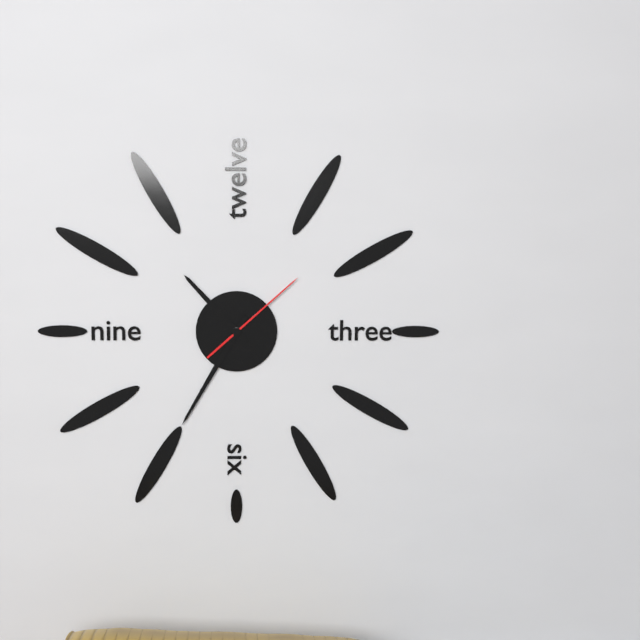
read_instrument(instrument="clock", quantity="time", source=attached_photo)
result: 10:35:08
